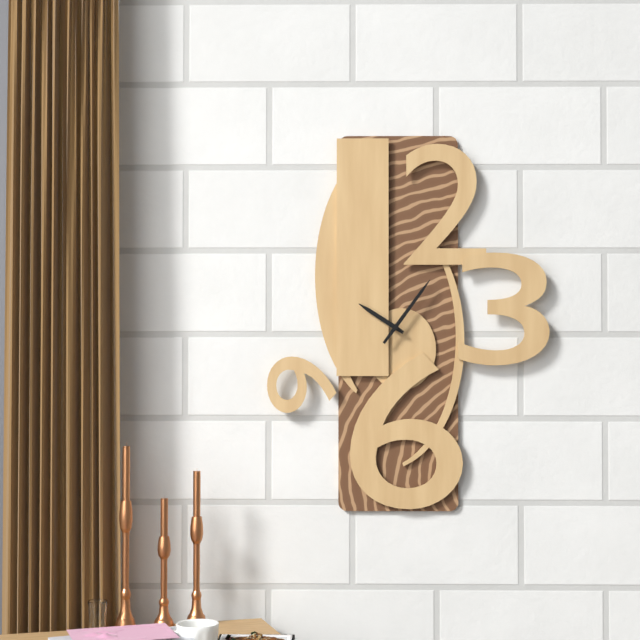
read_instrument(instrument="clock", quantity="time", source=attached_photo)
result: 10:06
